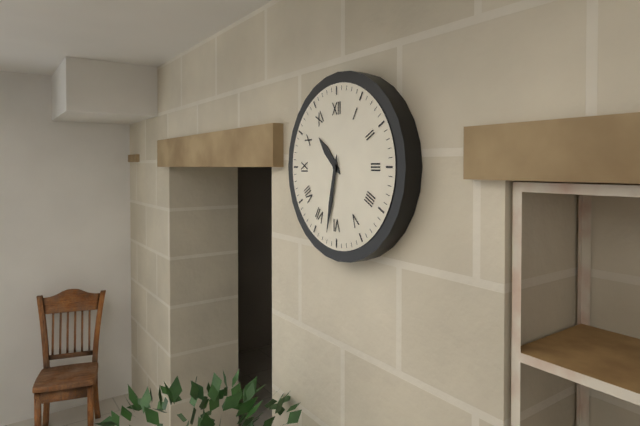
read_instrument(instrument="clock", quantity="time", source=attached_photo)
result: 10:32
